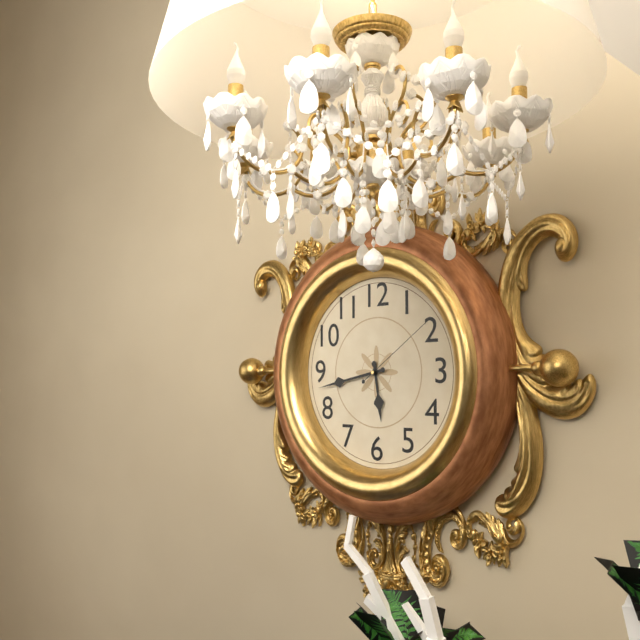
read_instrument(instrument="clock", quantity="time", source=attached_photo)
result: 5:43:09
